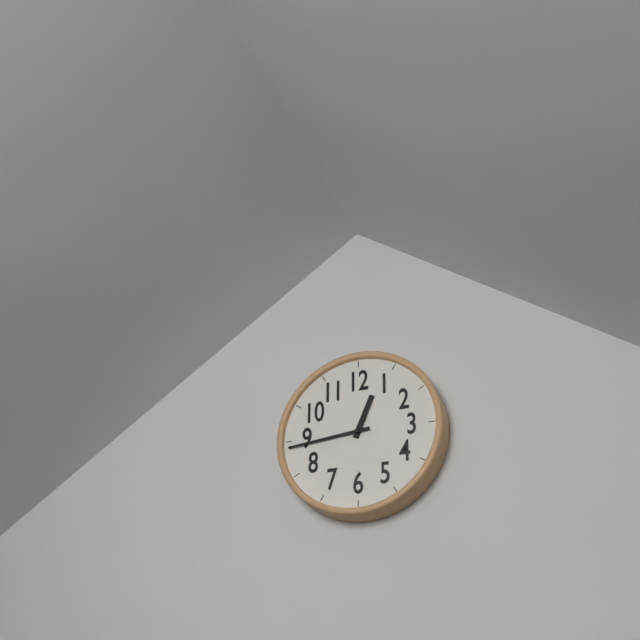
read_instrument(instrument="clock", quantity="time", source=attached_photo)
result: 12:44
